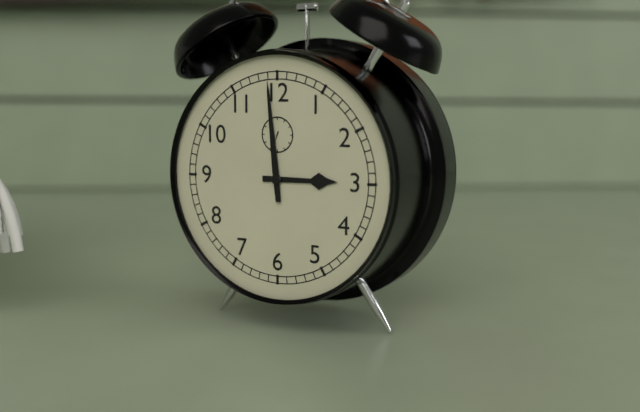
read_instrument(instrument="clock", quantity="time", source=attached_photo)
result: 2:59
